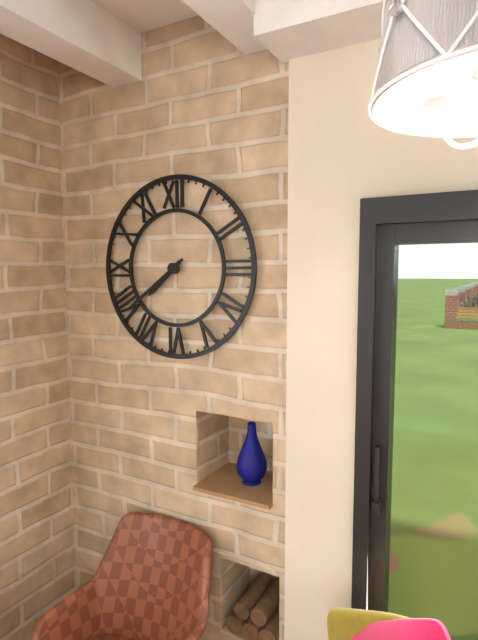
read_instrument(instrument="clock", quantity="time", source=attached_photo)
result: 7:39
